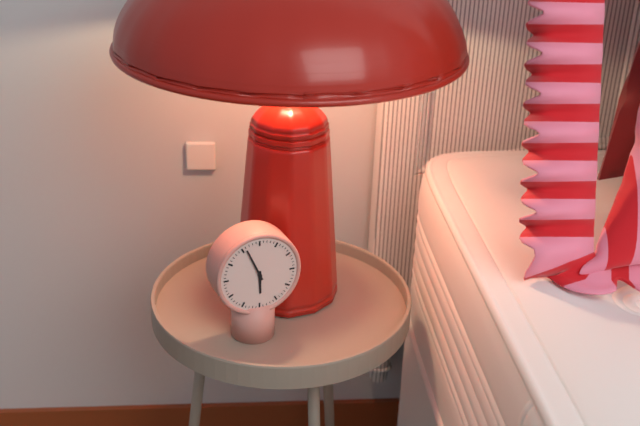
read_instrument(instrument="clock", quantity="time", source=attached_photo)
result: 5:56
